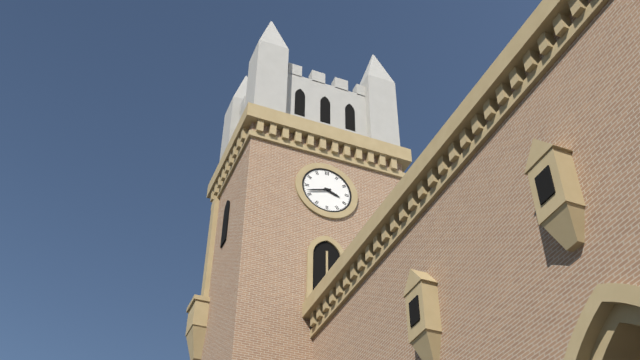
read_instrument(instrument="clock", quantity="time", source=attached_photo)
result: 3:42
